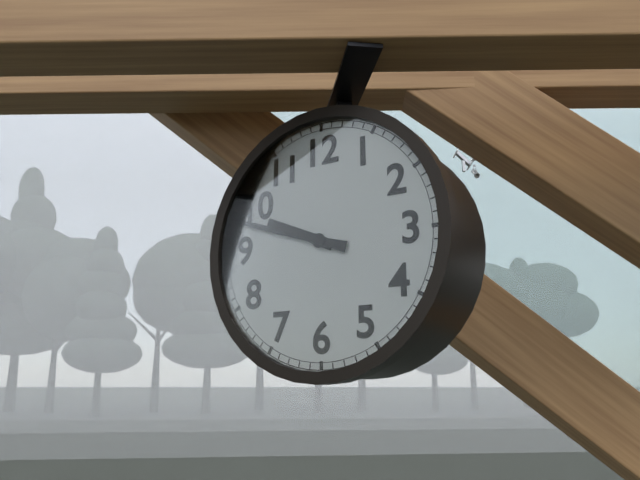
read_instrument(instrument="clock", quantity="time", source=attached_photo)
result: 9:48
